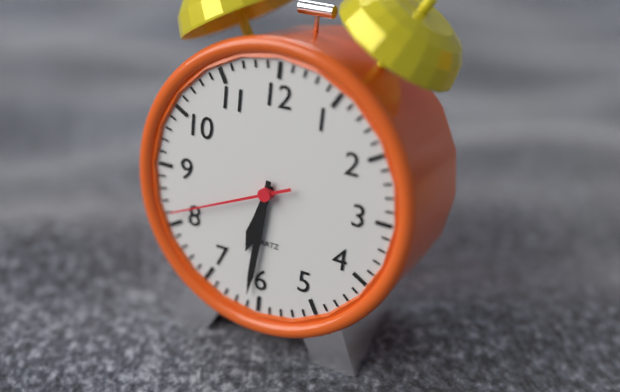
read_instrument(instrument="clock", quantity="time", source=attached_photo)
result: 6:31:41
